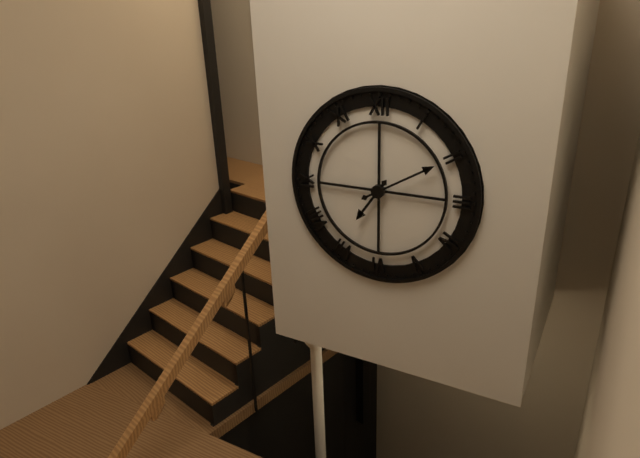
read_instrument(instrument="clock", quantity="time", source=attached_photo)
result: 7:10
